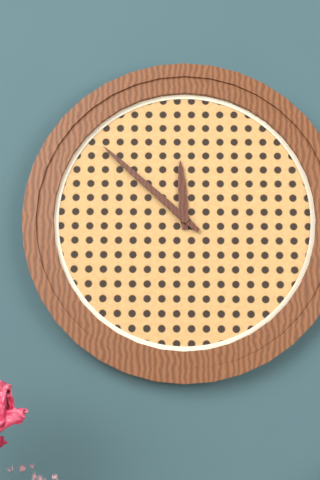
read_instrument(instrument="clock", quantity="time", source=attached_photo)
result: 11:52
